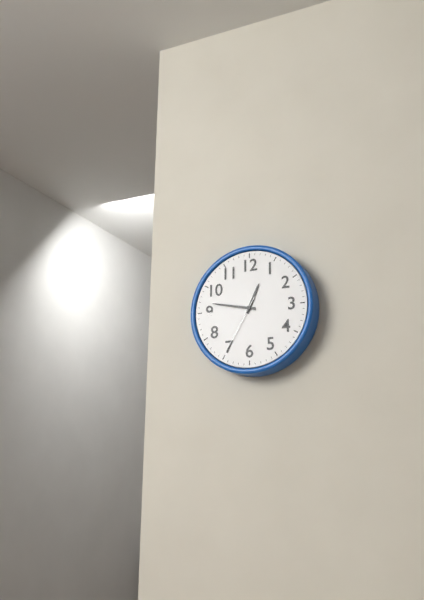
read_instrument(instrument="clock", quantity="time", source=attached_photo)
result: 12:47:35
